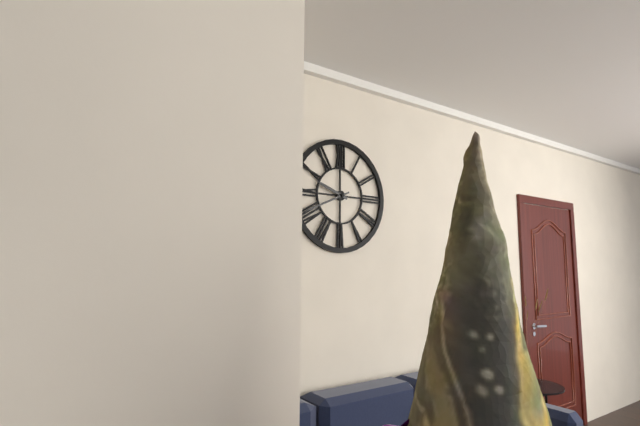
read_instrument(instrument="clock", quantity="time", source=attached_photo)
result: 9:41
